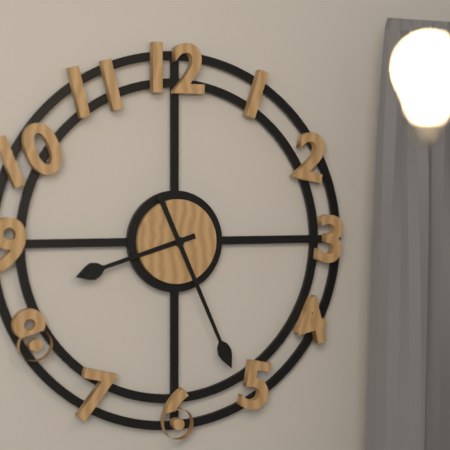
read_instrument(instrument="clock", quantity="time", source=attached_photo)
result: 8:26
